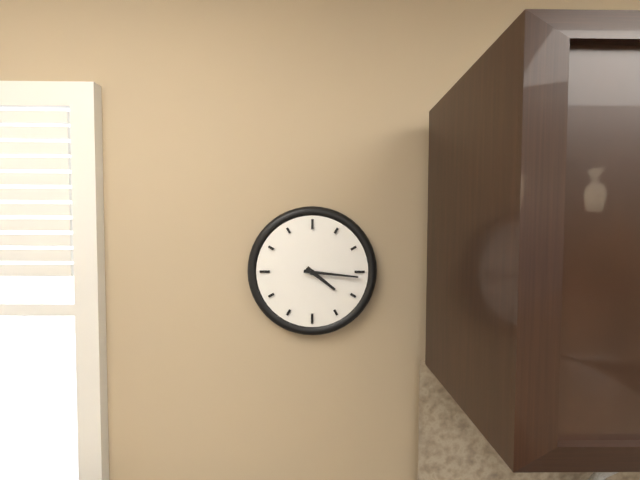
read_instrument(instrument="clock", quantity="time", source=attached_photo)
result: 4:16
